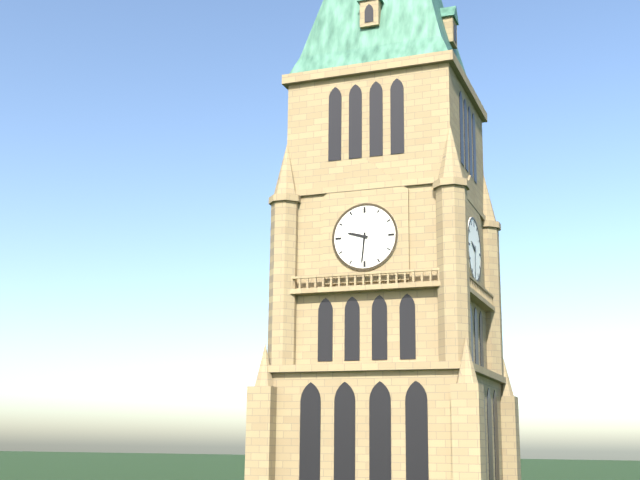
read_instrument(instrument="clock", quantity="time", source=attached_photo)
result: 9:31
